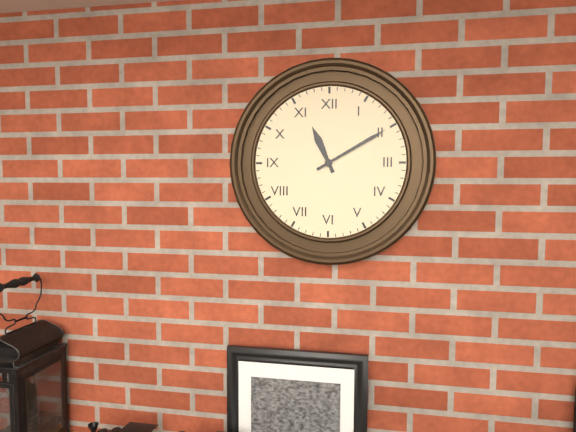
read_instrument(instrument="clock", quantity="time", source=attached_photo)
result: 11:10
